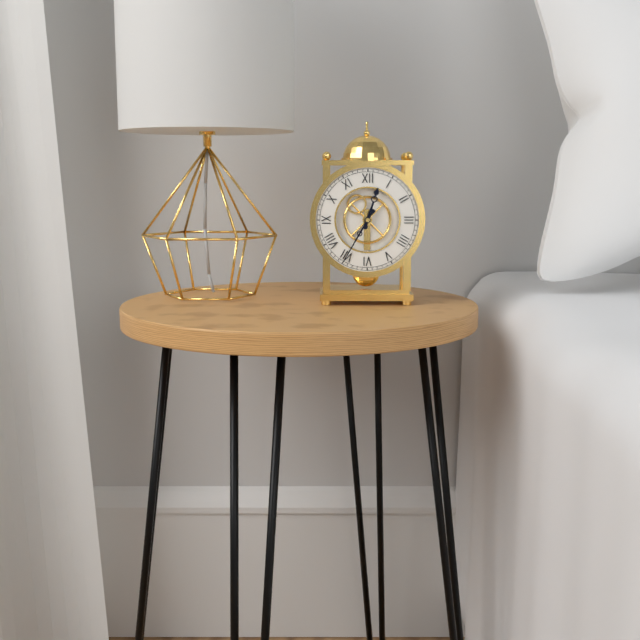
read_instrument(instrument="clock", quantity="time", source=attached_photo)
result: 12:35
